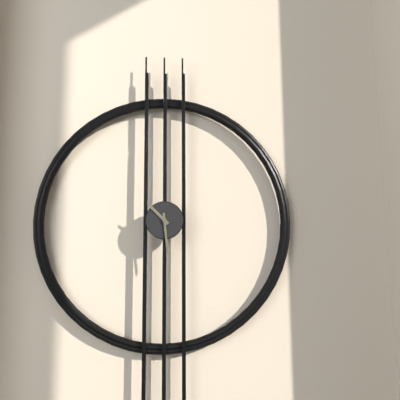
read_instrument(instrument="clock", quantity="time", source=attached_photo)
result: 10:29
